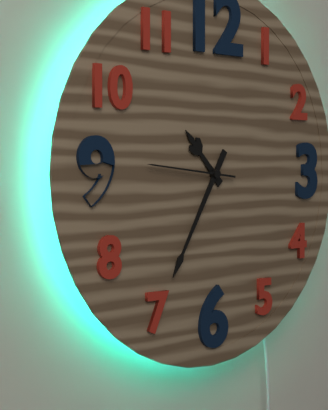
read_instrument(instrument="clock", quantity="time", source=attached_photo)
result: 10:35:46
